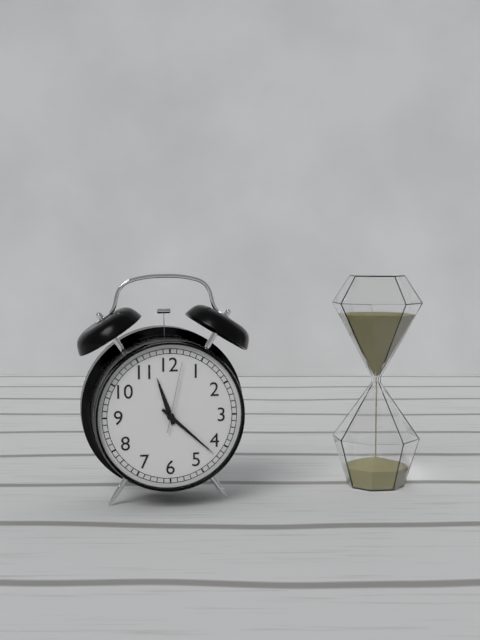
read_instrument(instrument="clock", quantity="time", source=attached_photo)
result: 11:22:02
